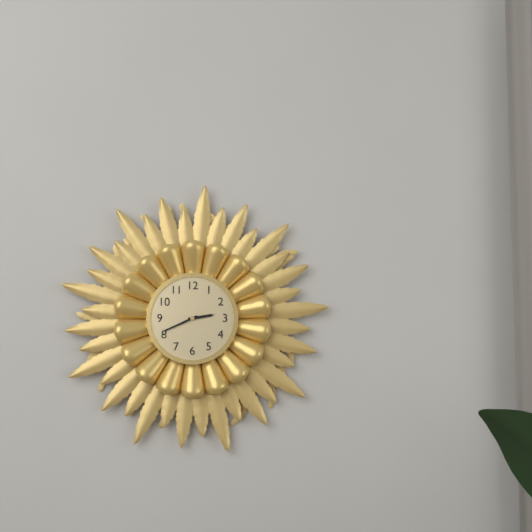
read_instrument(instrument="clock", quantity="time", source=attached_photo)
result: 2:41
